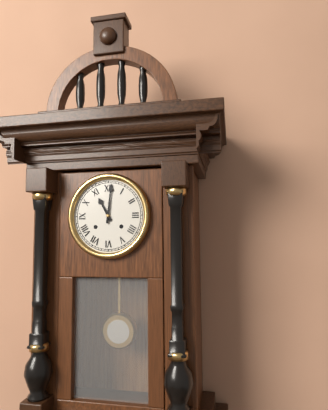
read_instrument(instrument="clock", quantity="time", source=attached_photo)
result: 11:01
